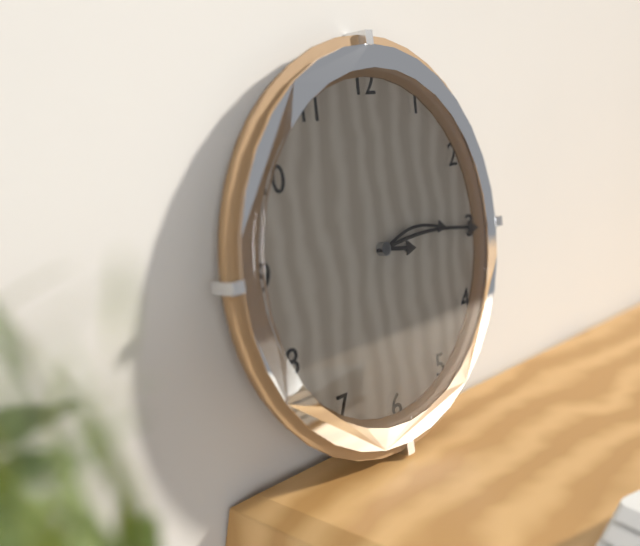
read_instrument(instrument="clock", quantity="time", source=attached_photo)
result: 3:15:14
